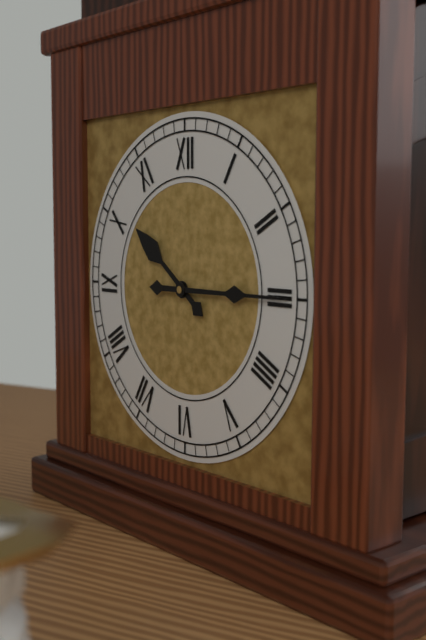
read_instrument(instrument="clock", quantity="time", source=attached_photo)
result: 10:15
